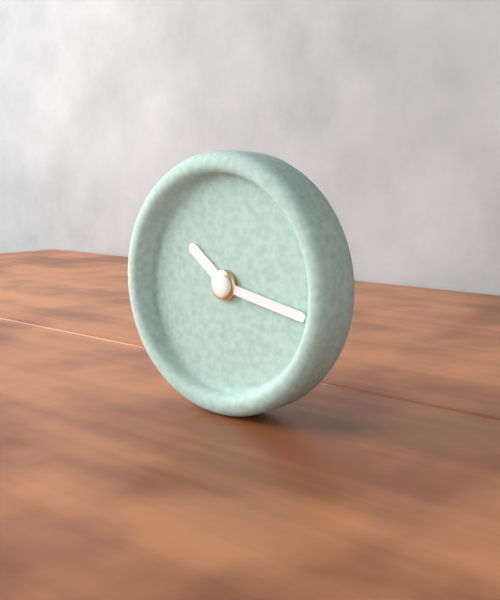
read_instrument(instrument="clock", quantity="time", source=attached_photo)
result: 10:17
